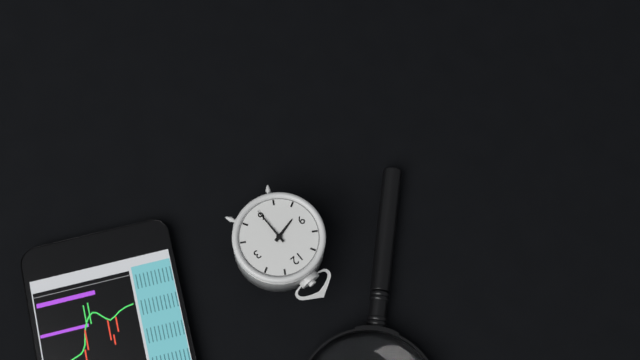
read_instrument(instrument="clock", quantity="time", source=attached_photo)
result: 8:30
